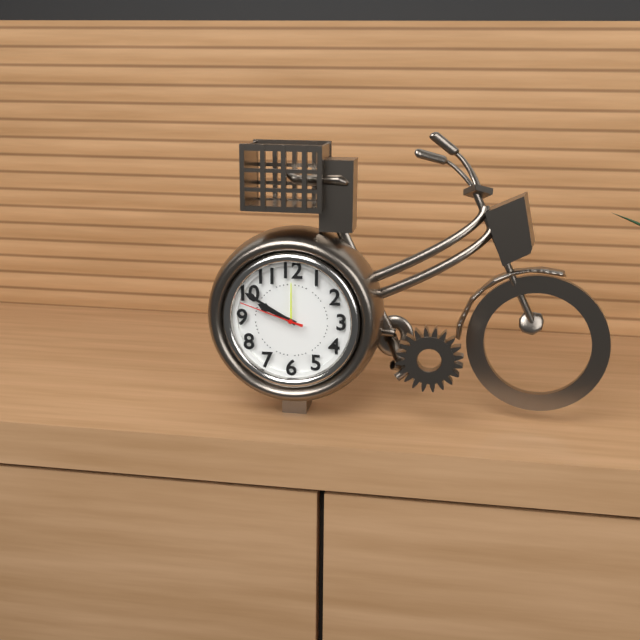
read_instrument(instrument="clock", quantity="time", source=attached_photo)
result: 9:50:48
